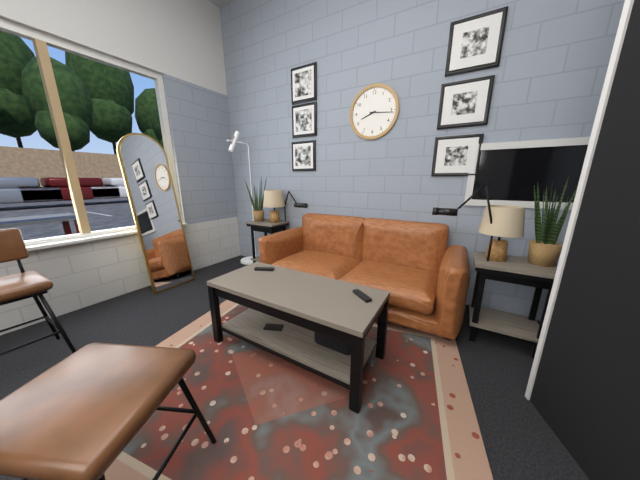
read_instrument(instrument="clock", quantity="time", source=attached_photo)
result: 8:16
